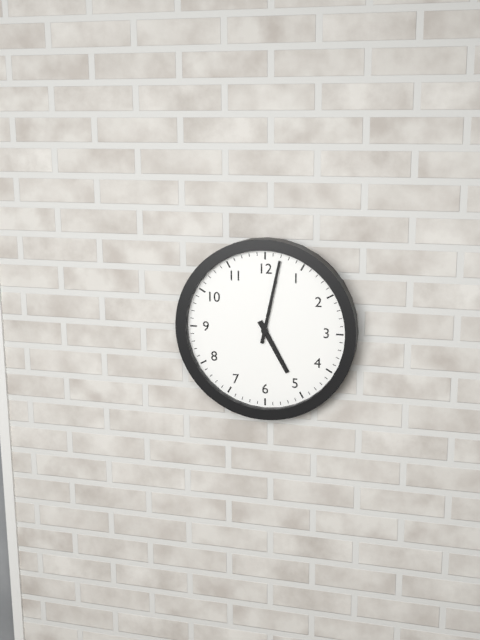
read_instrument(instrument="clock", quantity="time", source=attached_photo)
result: 5:02
